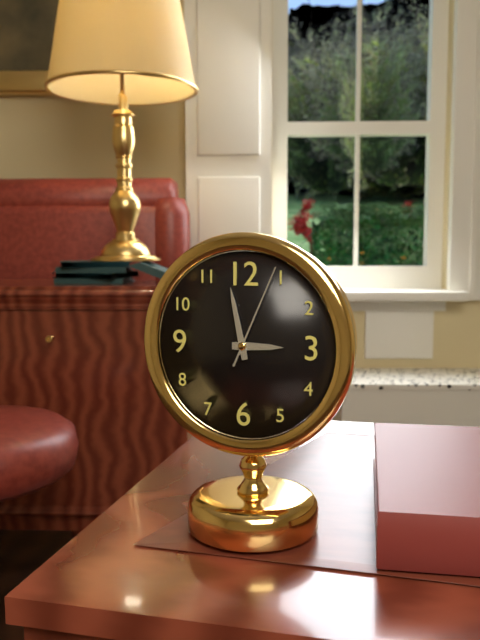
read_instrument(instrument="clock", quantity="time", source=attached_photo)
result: 2:58:04
